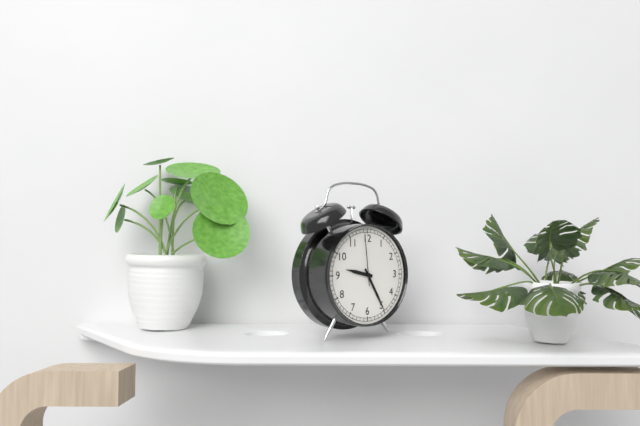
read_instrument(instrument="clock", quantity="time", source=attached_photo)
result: 9:25:59
